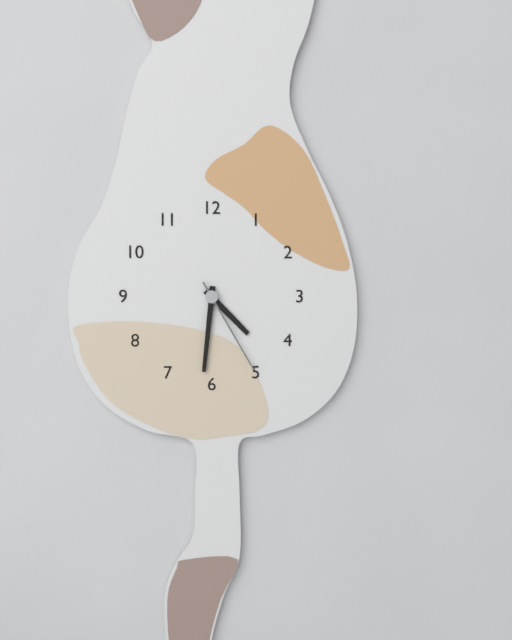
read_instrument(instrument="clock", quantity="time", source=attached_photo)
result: 4:31:25
